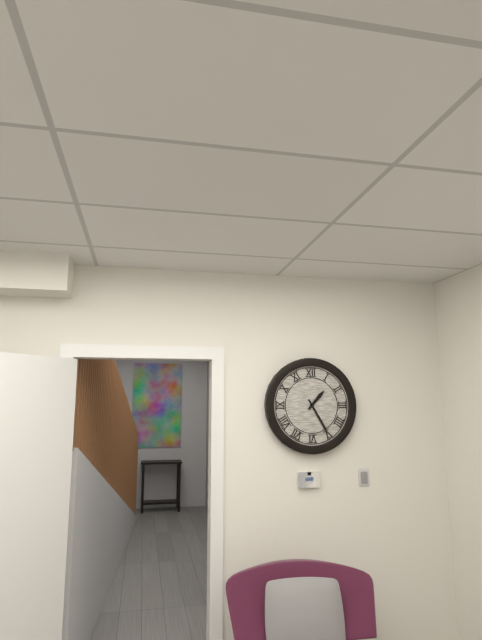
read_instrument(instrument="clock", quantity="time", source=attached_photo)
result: 1:25
